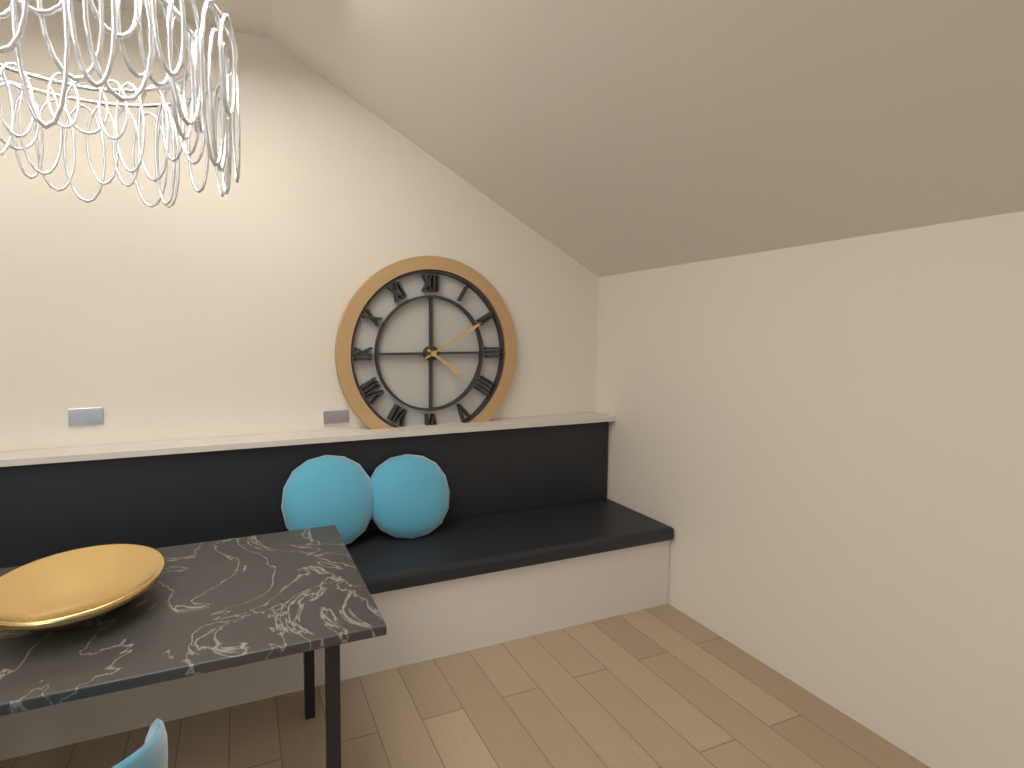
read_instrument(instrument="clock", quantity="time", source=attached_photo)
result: 4:10
